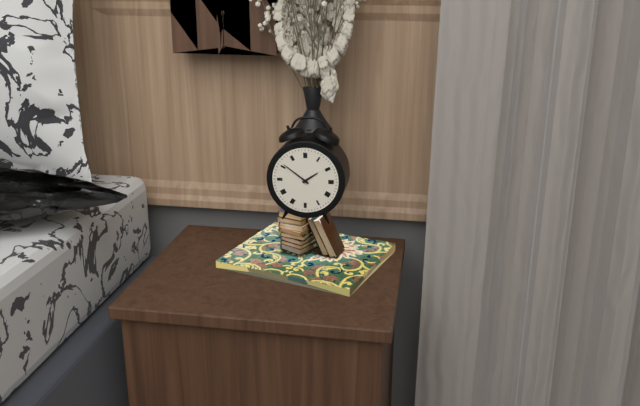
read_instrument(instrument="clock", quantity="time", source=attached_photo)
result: 1:51
